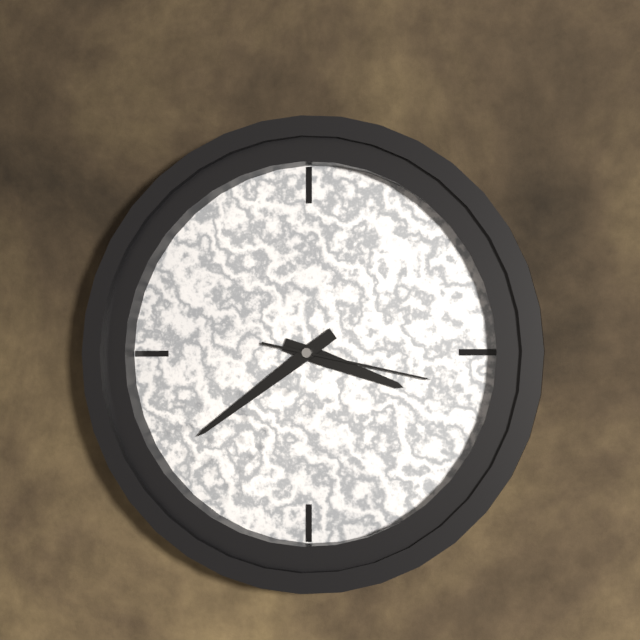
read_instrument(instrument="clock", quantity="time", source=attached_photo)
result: 3:39:17
